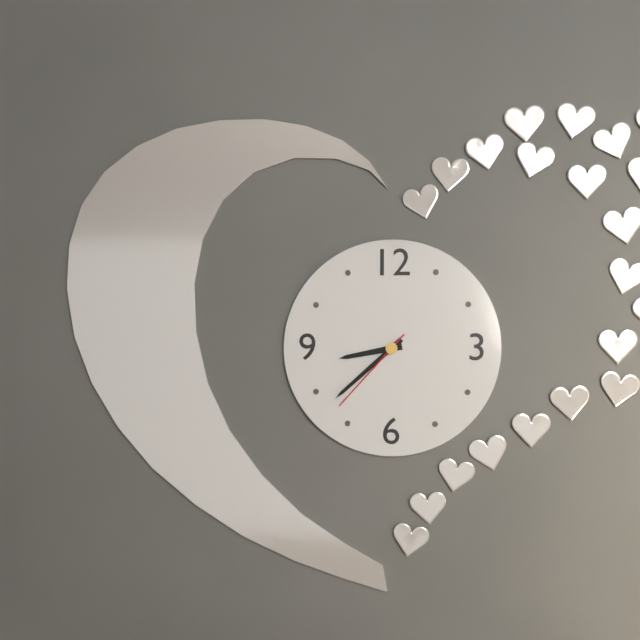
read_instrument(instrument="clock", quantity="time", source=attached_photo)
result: 8:38:37
